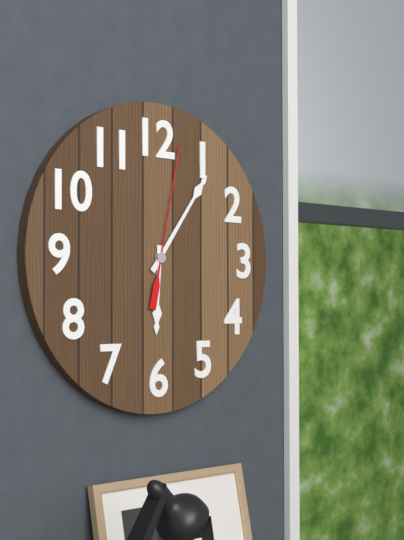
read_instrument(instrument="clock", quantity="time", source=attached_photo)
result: 6:06:02
